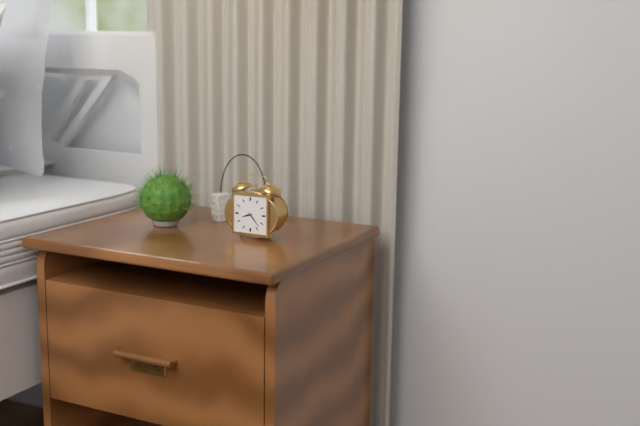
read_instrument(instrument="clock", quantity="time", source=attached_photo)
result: 8:23
